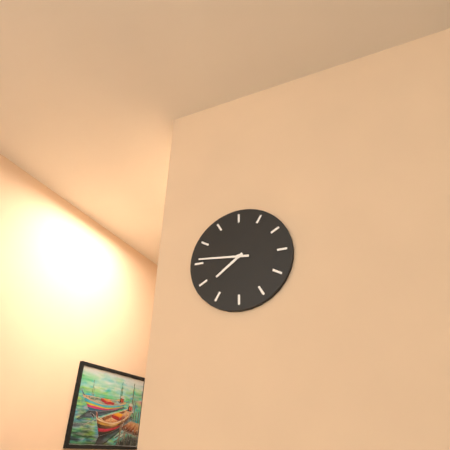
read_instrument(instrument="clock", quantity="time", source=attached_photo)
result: 7:46
